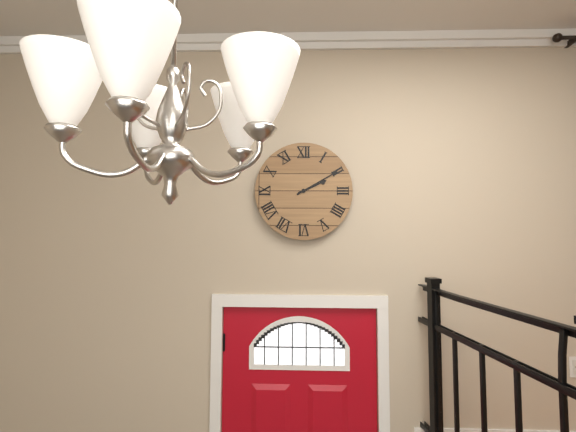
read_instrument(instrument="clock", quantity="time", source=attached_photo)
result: 2:10
